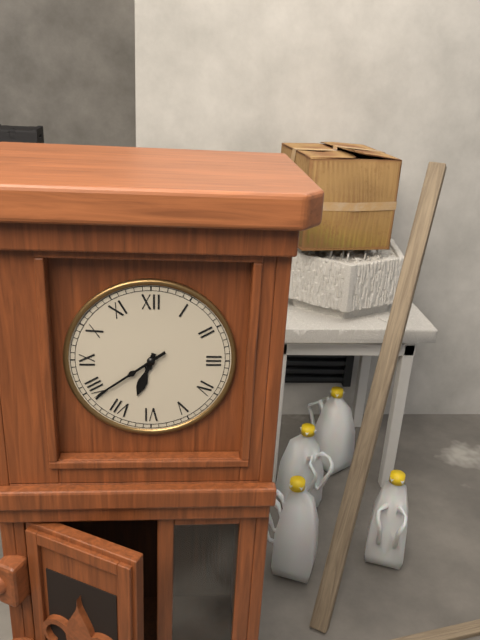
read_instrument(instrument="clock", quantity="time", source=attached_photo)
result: 6:39
